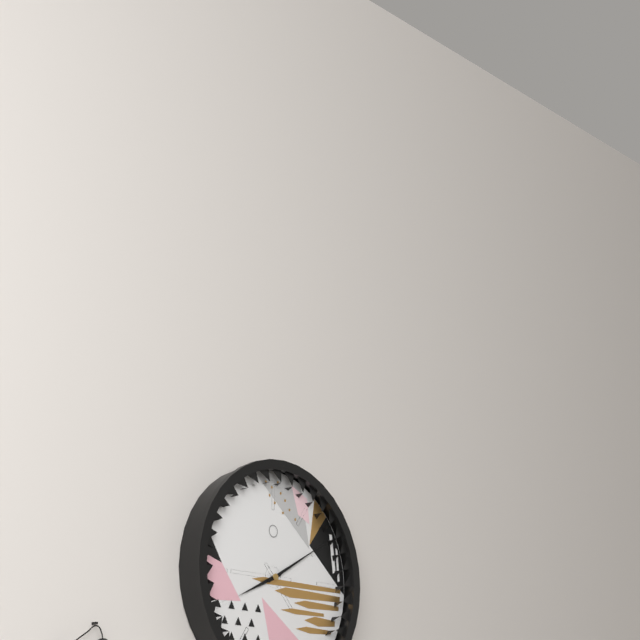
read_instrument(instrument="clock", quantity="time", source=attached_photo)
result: 8:10
